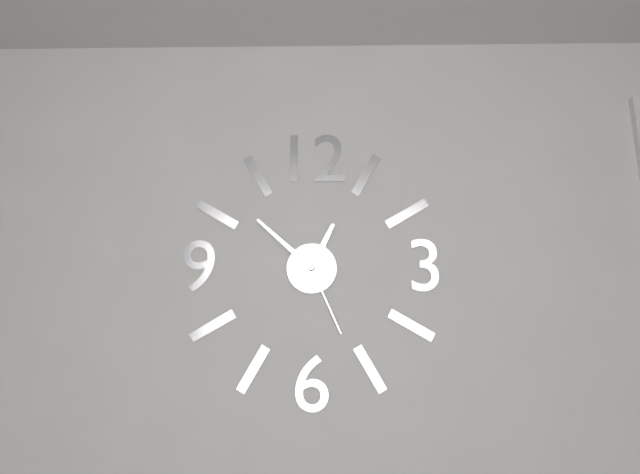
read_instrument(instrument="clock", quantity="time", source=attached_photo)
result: 12:52:26
